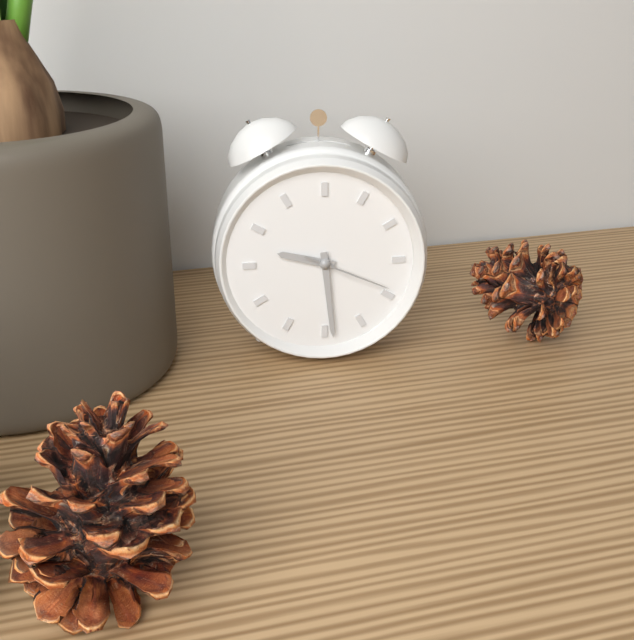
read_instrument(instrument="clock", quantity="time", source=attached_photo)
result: 9:29:19
